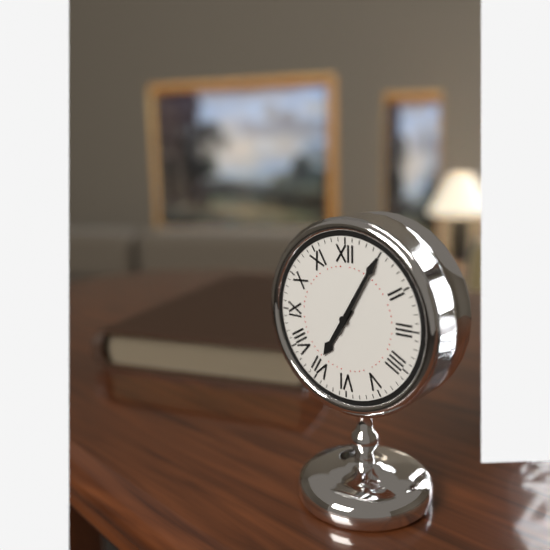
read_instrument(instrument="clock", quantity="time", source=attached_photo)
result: 7:05
